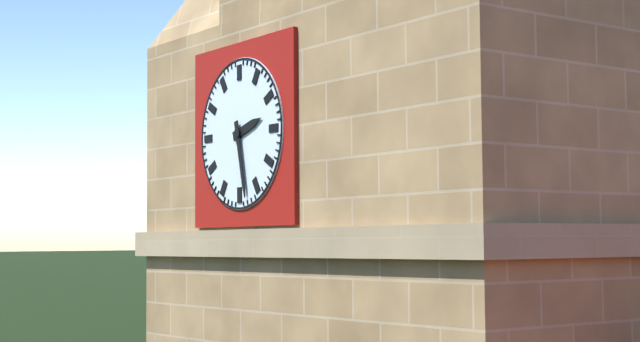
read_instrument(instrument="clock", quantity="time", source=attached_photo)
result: 2:28
